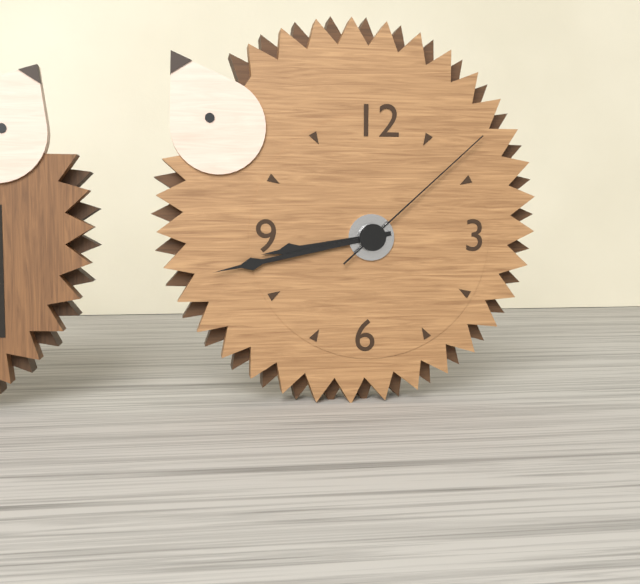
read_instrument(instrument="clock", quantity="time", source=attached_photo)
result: 8:43:08
